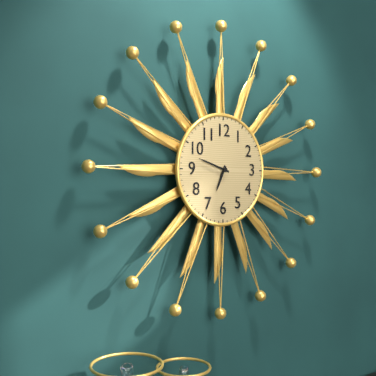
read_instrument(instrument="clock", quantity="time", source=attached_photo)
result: 6:48
